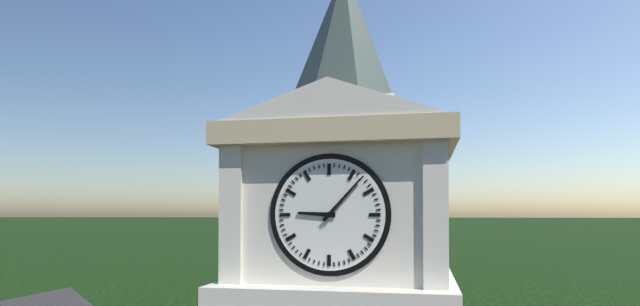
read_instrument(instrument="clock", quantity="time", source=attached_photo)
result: 9:07
